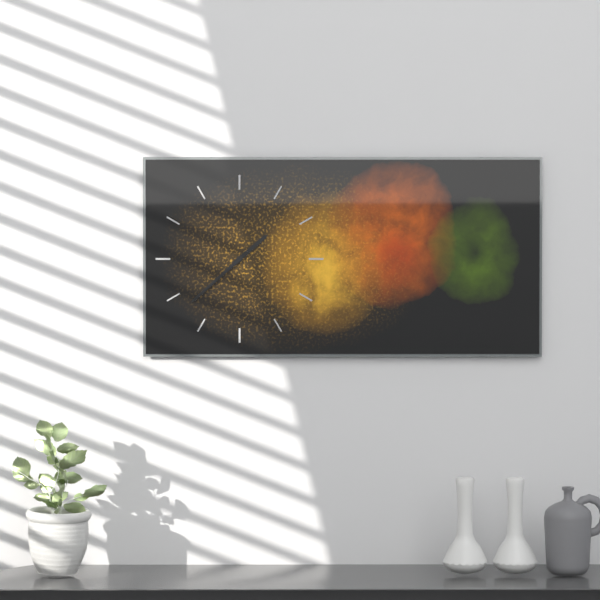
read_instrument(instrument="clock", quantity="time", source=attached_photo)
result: 1:38
